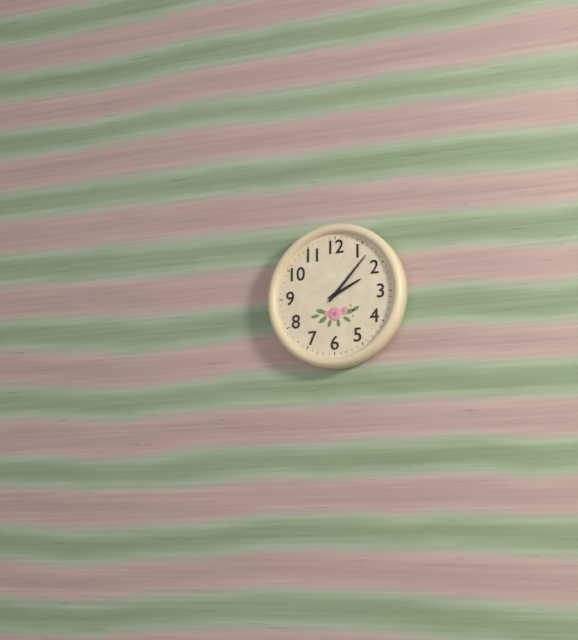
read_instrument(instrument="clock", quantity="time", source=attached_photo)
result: 2:07
